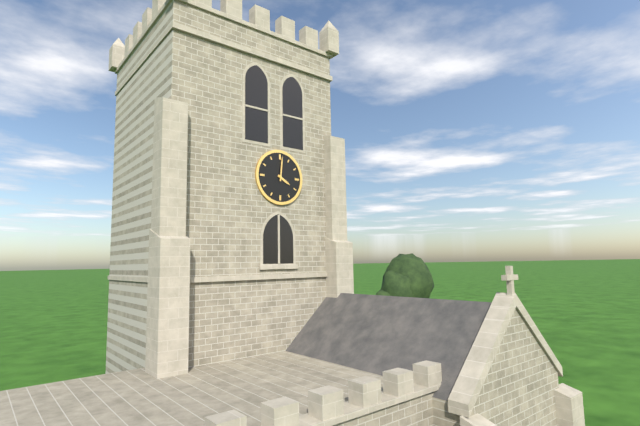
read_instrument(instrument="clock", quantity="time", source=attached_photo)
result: 4:01
